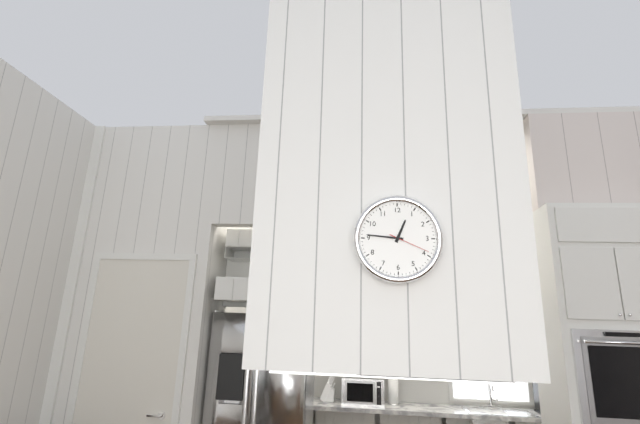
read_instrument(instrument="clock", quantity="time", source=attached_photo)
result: 12:46
